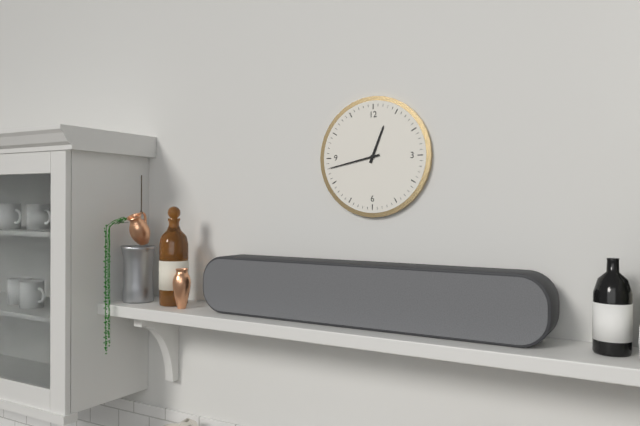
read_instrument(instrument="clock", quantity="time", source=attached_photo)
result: 12:43
